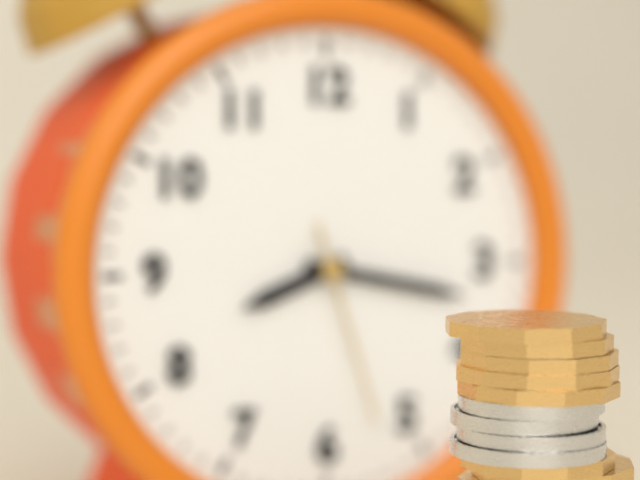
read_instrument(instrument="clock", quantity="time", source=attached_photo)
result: 8:17:27
